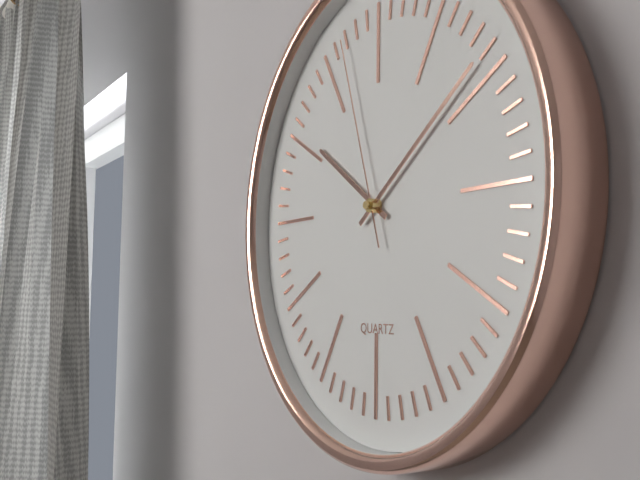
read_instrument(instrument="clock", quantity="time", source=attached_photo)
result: 10:09:57
